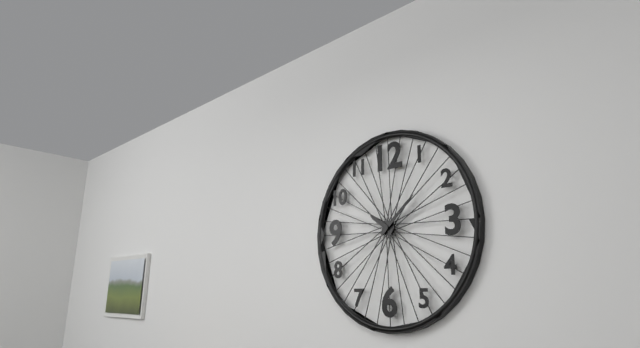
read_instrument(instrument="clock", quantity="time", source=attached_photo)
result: 10:08
